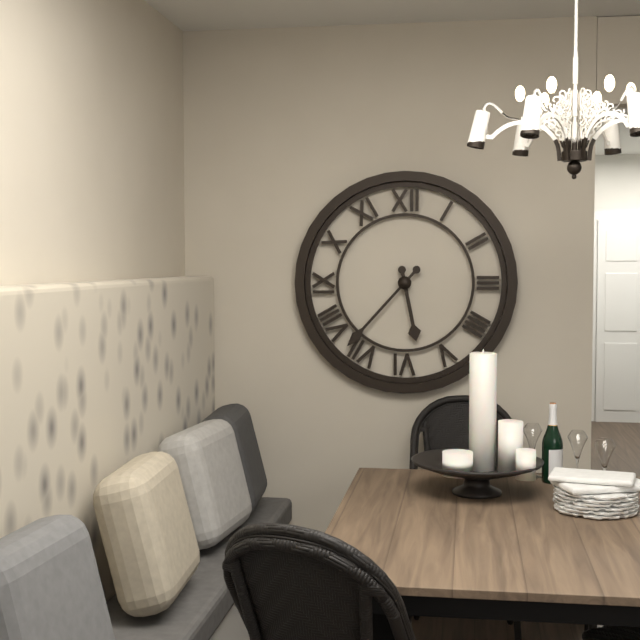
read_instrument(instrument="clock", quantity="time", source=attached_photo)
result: 5:37
